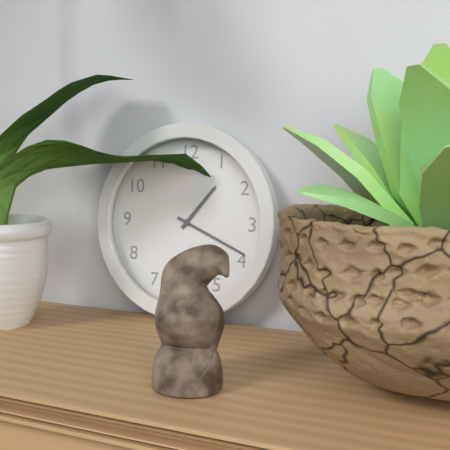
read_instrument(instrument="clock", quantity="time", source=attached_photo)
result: 1:19
